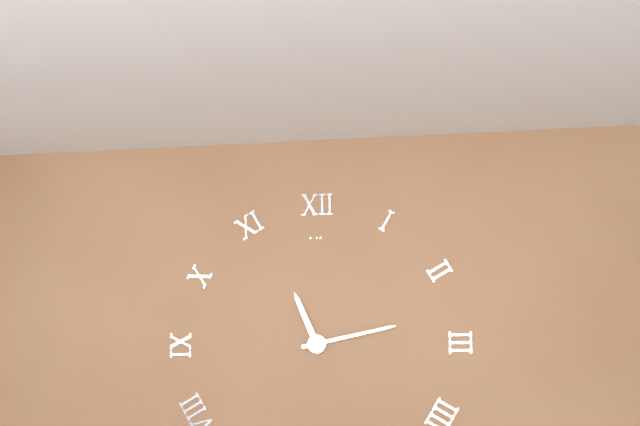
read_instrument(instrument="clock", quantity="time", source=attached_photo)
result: 11:13
